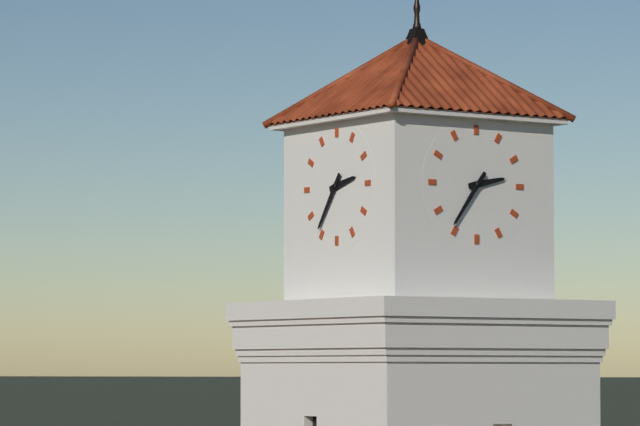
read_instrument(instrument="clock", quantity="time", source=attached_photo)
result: 2:36
